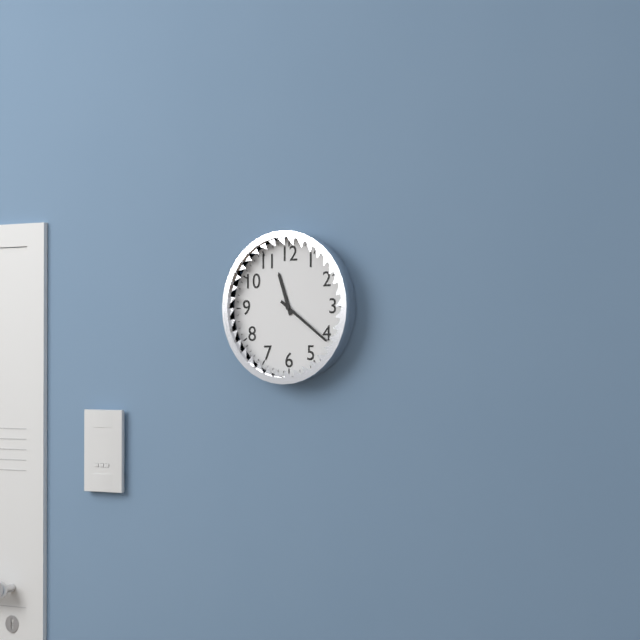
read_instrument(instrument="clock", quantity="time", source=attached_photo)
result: 11:21
